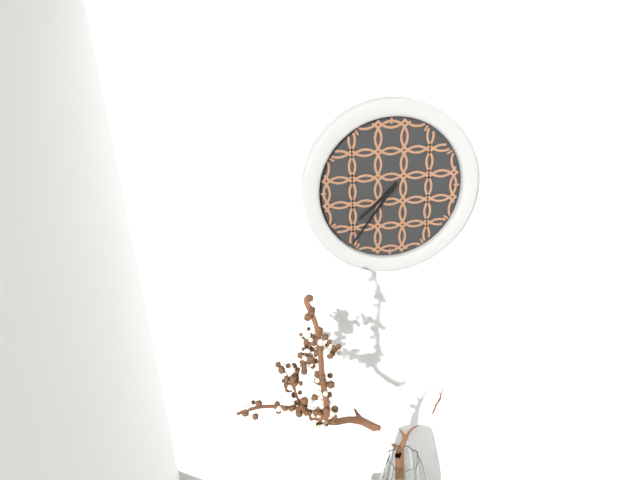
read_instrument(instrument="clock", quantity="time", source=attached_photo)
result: 7:36
